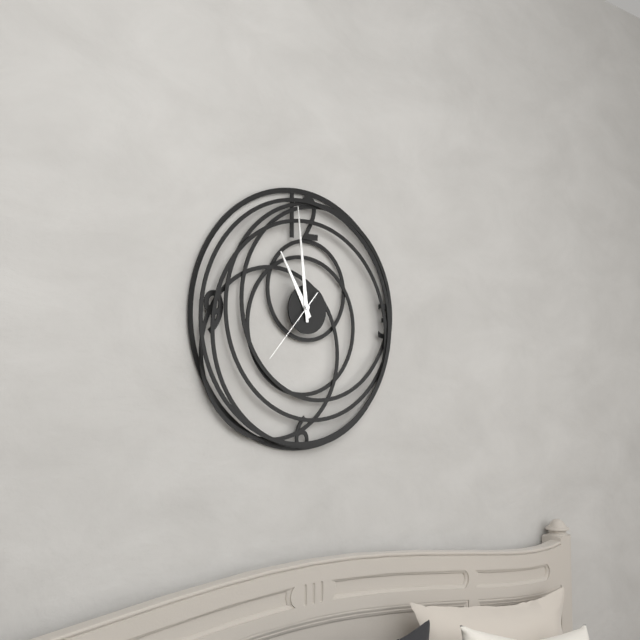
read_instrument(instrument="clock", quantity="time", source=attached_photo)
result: 10:59:37
